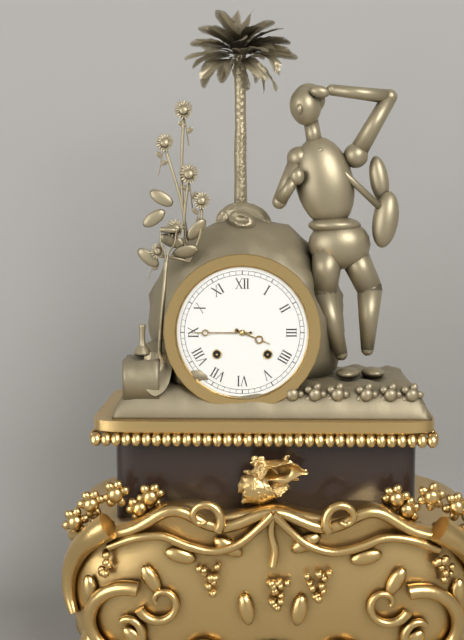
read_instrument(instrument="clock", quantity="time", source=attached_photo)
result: 3:45
